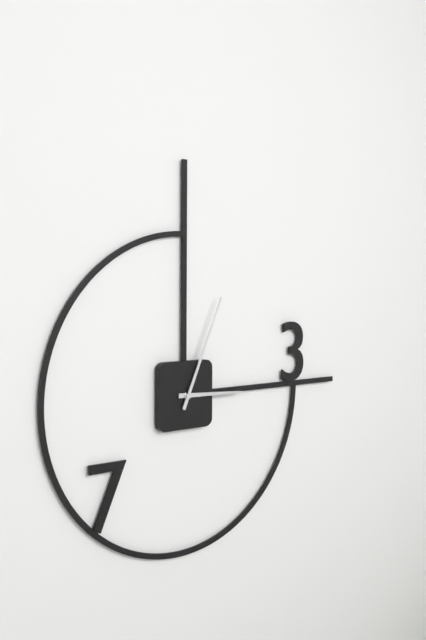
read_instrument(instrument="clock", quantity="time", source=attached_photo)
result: 3:04
